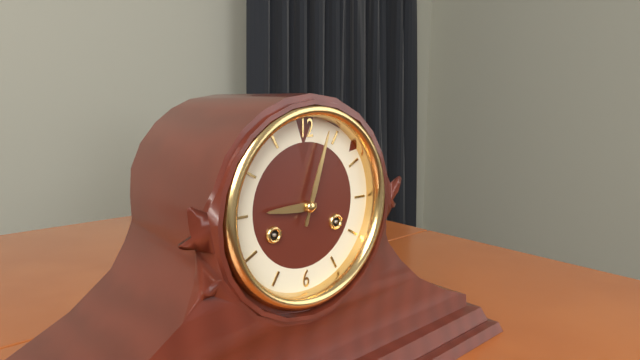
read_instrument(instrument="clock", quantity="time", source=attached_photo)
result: 9:03
